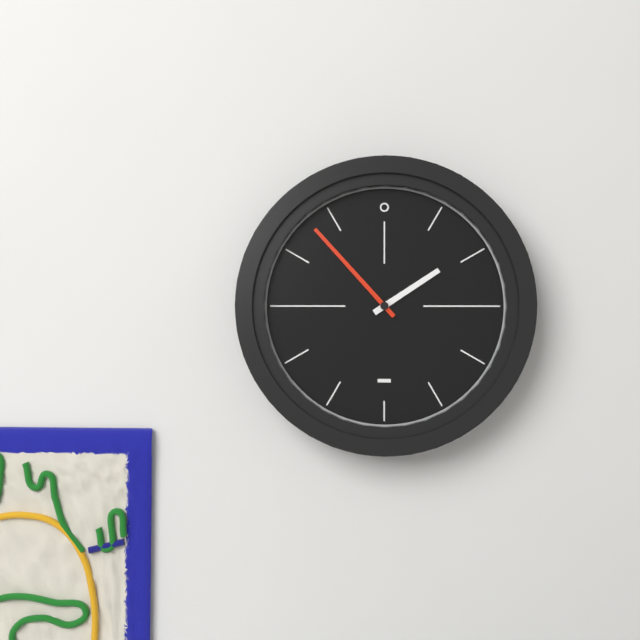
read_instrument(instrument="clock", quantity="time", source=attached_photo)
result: 1:53
